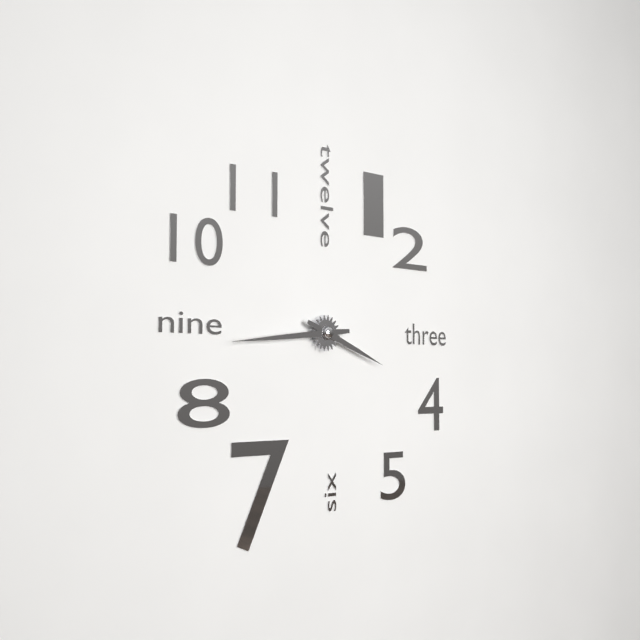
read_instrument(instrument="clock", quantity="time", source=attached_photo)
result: 3:44
